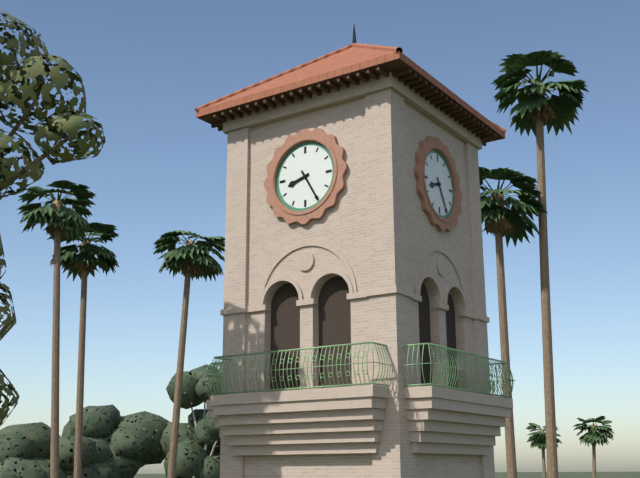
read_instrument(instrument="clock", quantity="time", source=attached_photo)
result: 8:25
